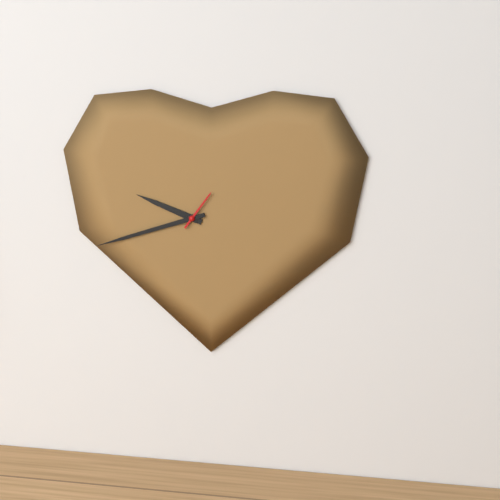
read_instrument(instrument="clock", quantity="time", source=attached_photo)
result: 9:42
